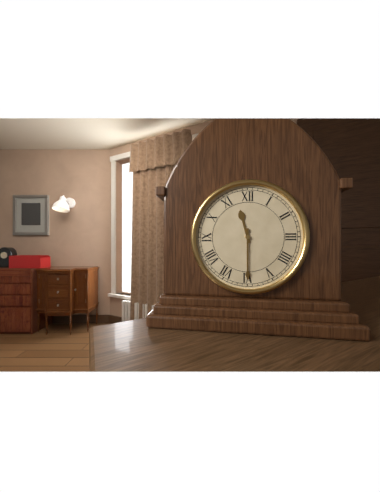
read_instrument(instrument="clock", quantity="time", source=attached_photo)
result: 11:30
